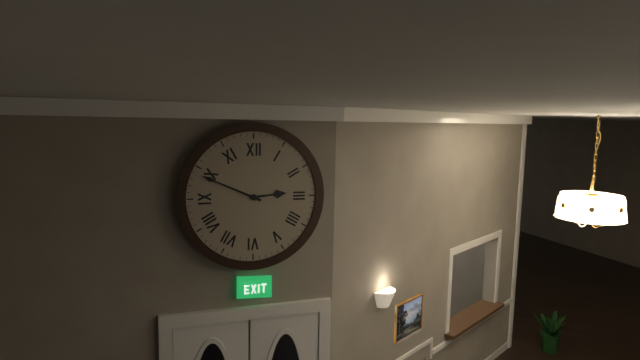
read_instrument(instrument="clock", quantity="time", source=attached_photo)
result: 2:49
